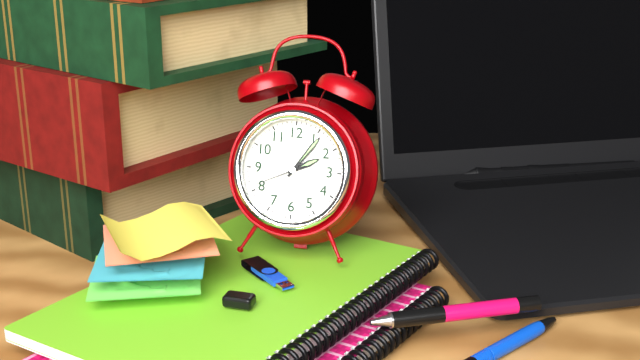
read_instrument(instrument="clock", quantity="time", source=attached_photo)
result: 2:06:41
